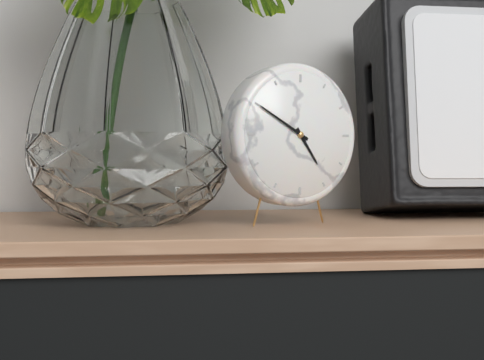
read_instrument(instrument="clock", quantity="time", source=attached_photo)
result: 4:50
